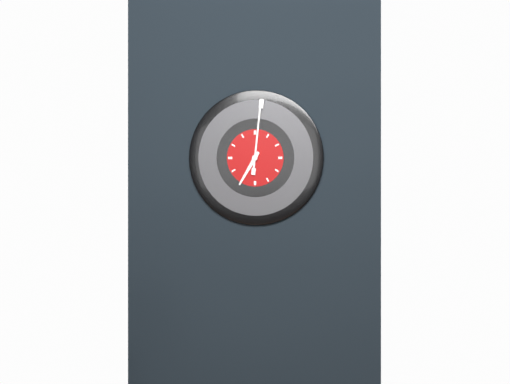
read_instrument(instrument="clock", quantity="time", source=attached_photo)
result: 7:01
